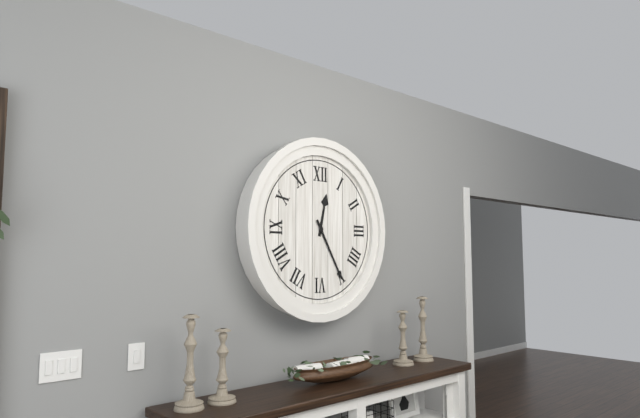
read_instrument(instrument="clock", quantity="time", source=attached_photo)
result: 12:25
